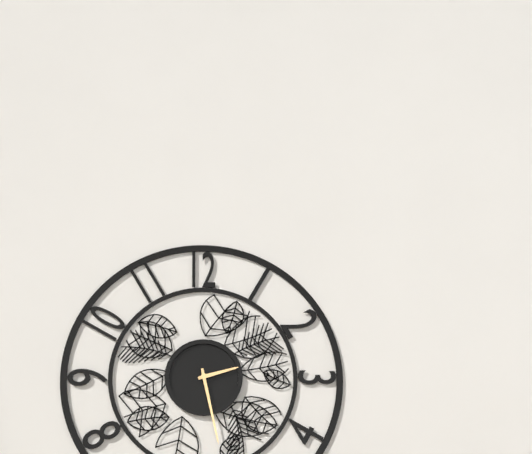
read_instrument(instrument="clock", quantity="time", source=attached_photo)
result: 2:28
